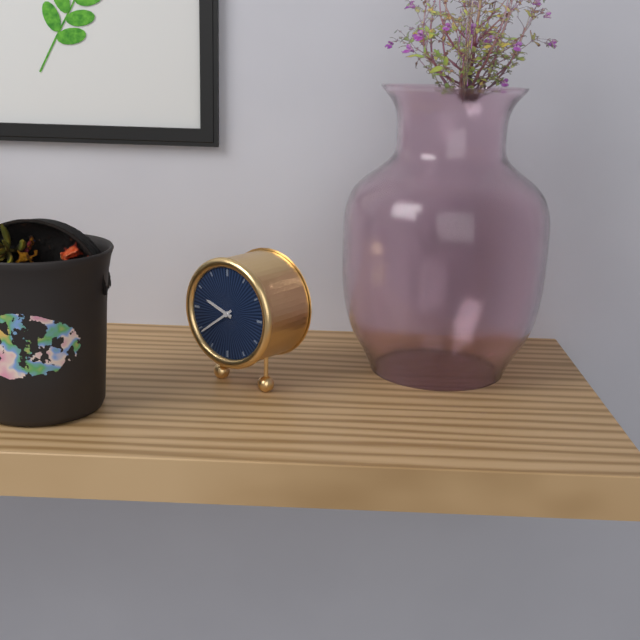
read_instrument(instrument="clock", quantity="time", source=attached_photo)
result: 9:39
